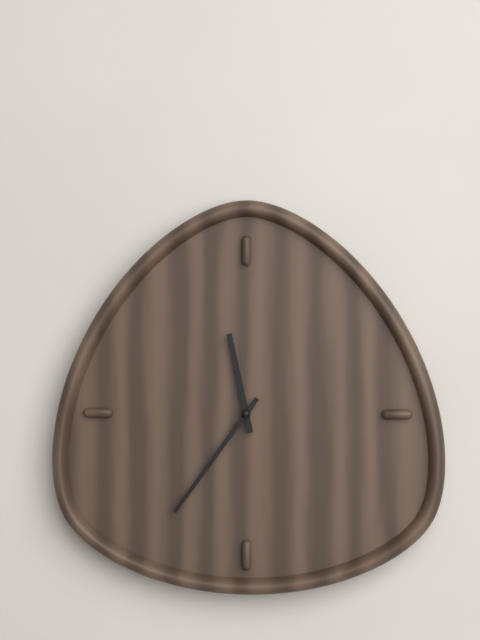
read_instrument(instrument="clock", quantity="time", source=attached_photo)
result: 11:36
